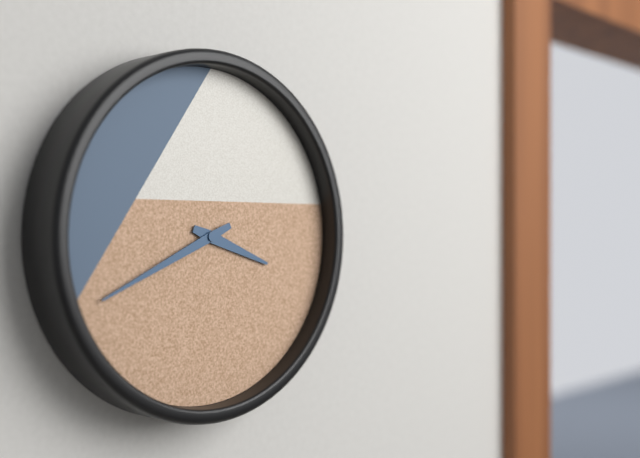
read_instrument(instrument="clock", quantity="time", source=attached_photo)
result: 3:41
